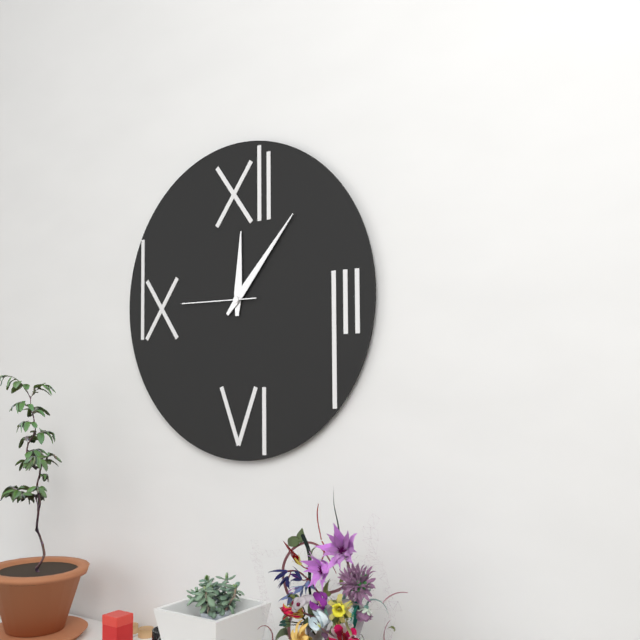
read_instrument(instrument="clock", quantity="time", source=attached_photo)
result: 12:07:45
